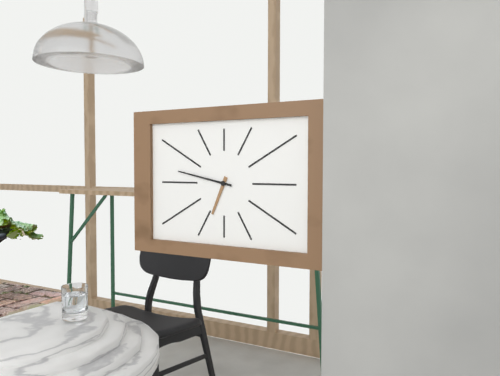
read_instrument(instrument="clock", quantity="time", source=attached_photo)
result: 6:47
